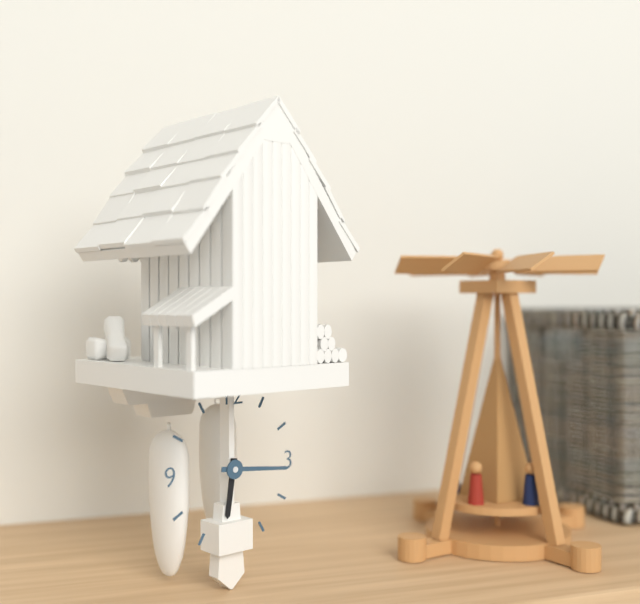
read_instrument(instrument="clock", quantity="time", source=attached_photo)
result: 6:16
